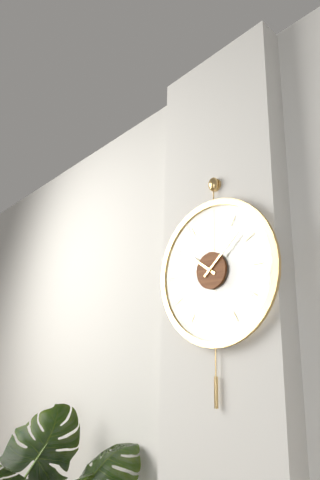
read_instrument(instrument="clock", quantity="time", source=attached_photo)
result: 10:08
